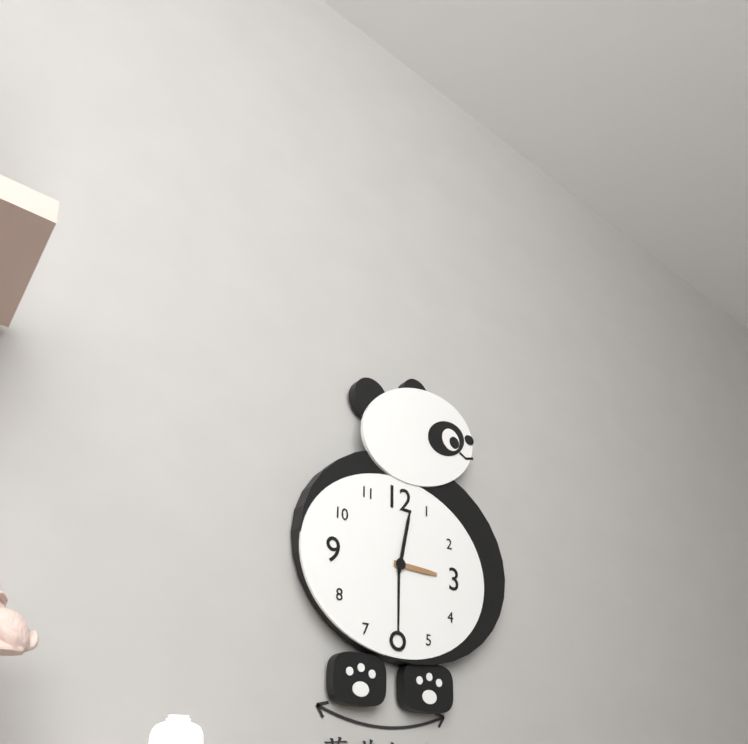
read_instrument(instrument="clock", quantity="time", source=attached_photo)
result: 3:02
